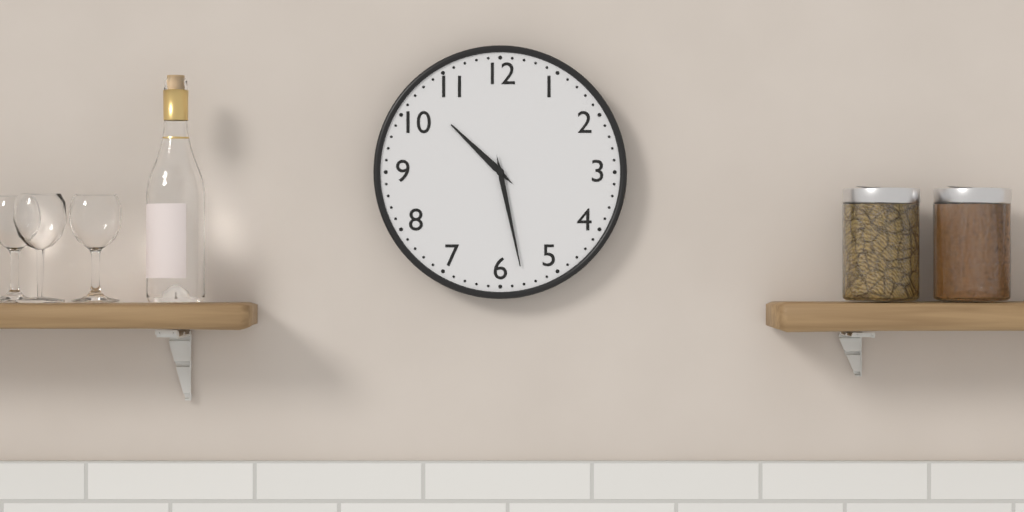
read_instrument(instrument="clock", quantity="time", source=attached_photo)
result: 10:28
